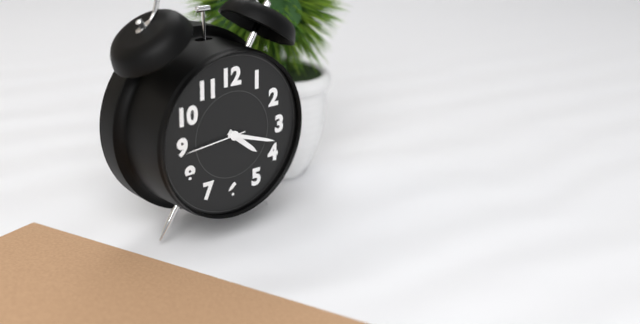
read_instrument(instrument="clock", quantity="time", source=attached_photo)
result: 4:18:44
